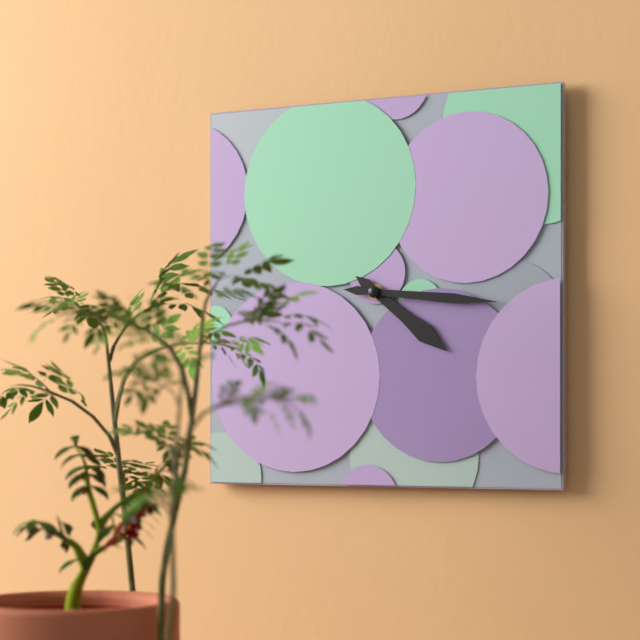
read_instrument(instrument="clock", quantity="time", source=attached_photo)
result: 4:16
